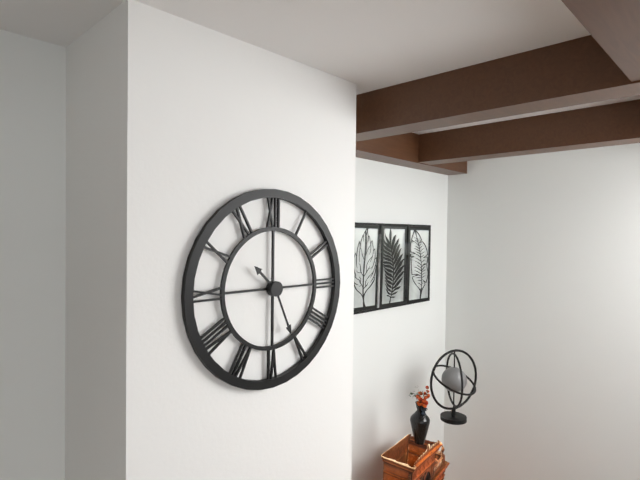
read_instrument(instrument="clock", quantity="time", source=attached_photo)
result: 10:26
